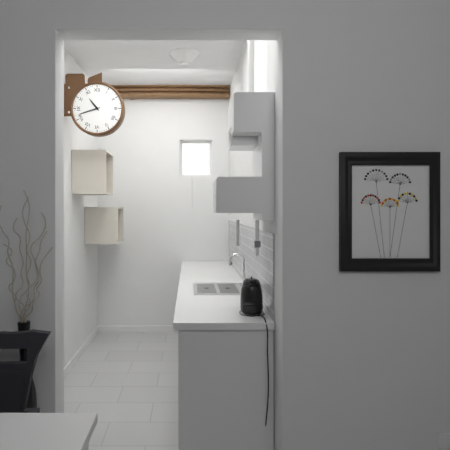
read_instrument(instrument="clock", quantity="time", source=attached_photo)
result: 10:42
